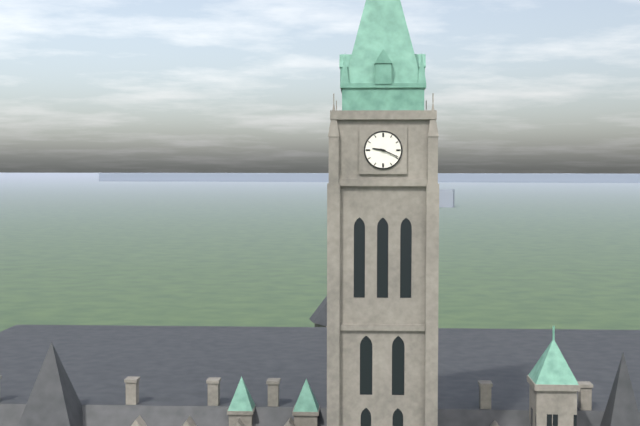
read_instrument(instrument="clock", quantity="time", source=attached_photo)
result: 9:19
